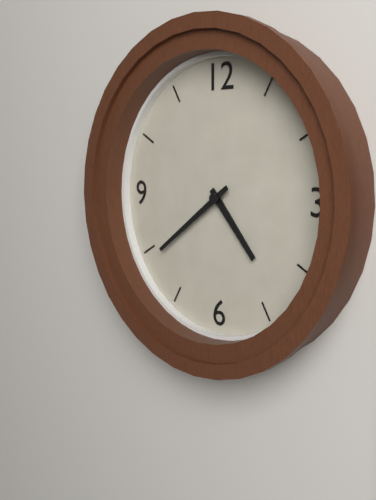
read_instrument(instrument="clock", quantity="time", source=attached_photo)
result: 4:39
